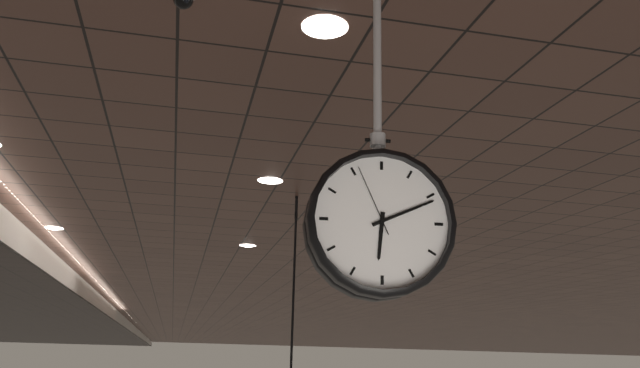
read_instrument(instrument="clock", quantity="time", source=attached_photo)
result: 6:11:56
